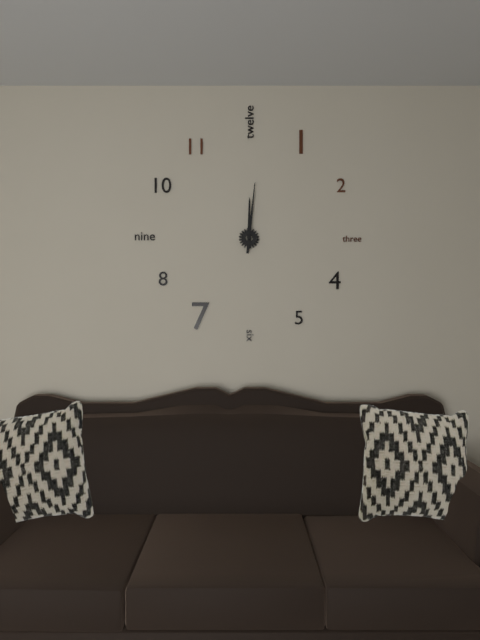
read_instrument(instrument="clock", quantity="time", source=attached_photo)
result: 12:01
